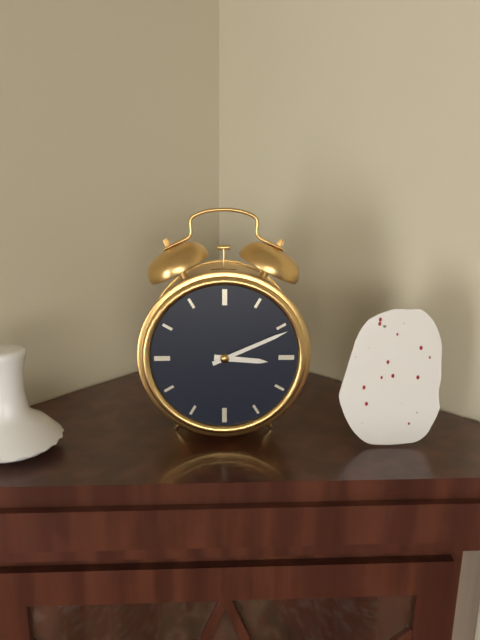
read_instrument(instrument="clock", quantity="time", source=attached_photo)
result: 3:11
